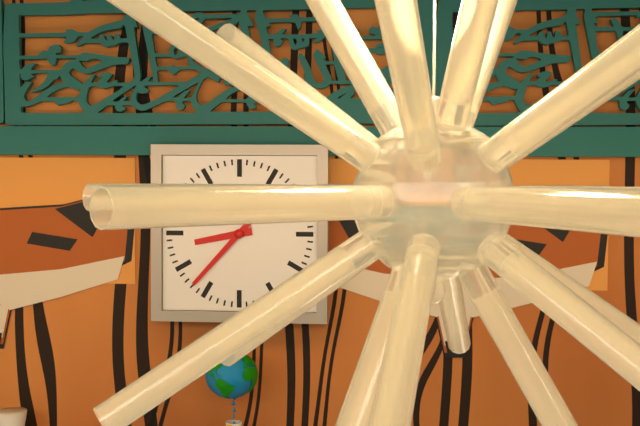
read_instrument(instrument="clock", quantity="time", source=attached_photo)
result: 8:37
